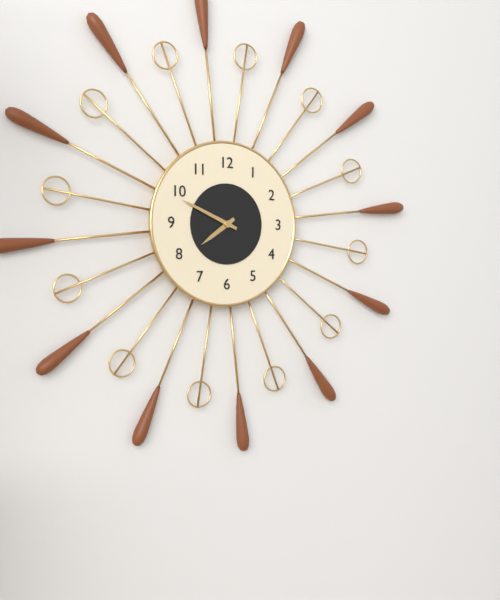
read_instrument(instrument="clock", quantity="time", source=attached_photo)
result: 7:49
